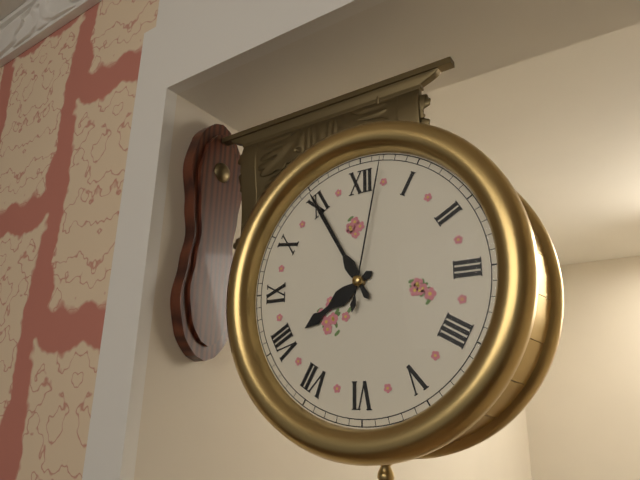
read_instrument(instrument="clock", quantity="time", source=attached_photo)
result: 7:55:02
